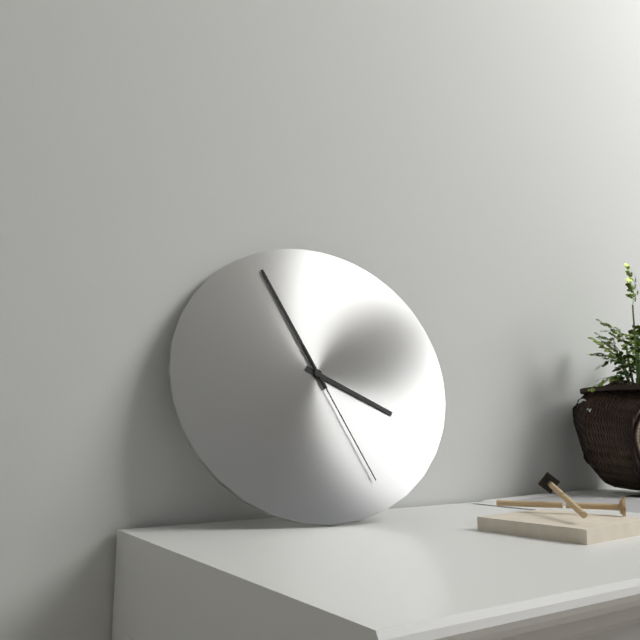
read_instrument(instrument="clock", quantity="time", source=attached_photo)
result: 3:56:26
